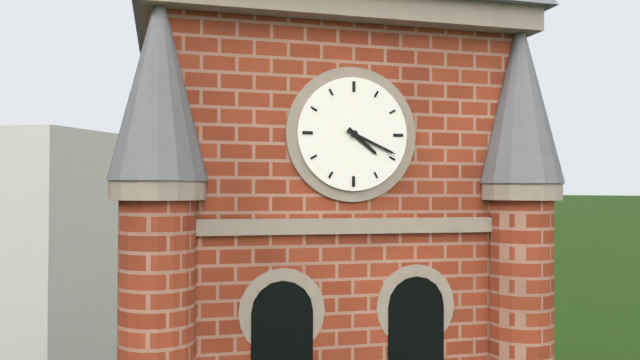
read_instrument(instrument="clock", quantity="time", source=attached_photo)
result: 4:19
